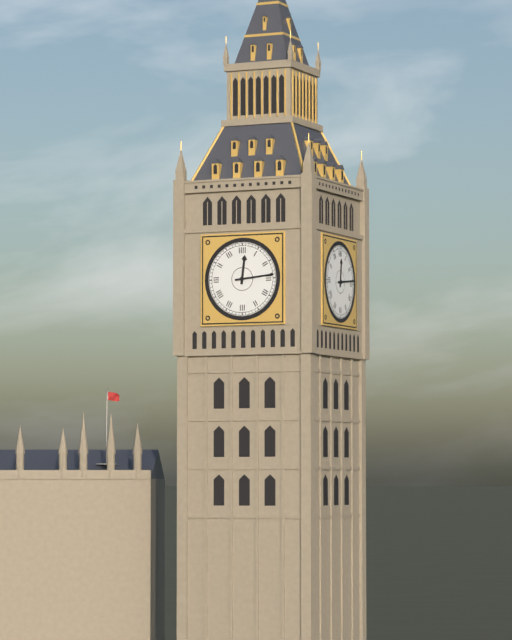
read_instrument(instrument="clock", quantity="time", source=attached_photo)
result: 12:14
